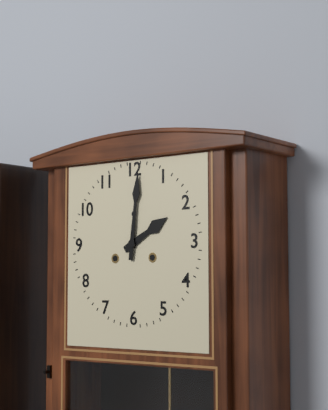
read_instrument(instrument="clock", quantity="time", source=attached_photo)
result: 2:01
